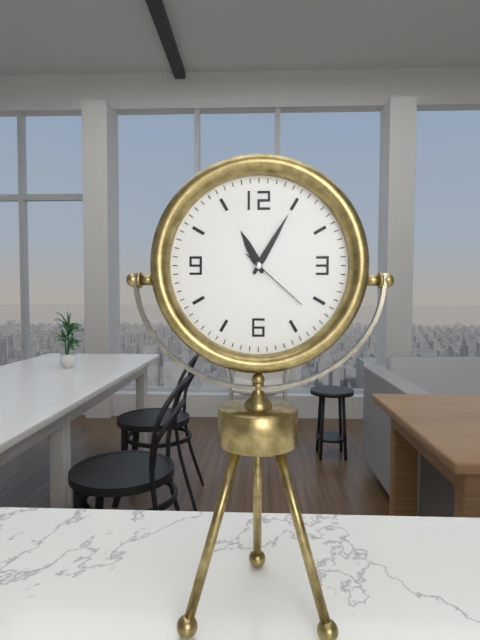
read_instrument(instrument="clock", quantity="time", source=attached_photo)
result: 11:05:22
